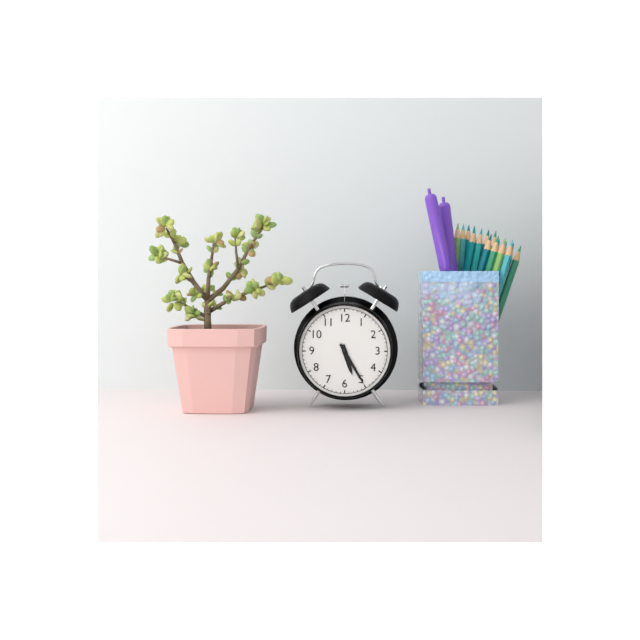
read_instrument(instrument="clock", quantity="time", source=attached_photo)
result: 5:25
